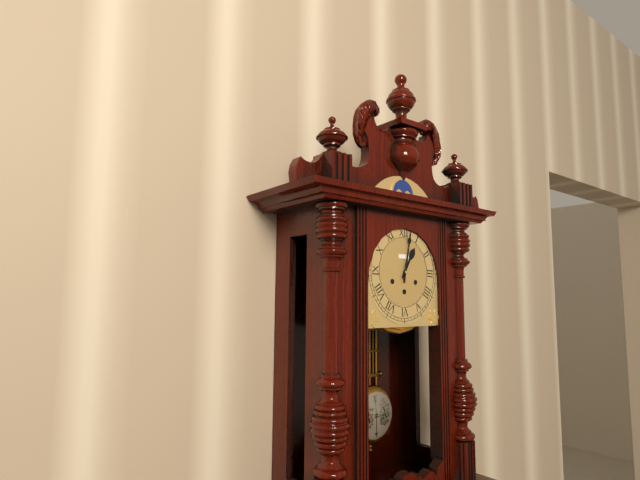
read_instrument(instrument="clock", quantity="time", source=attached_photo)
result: 1:02
